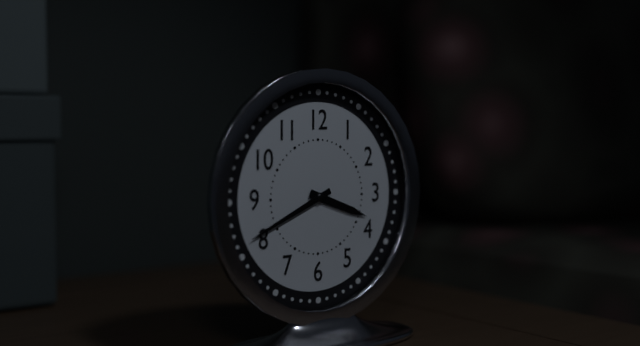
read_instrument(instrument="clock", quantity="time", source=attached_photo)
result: 3:41
